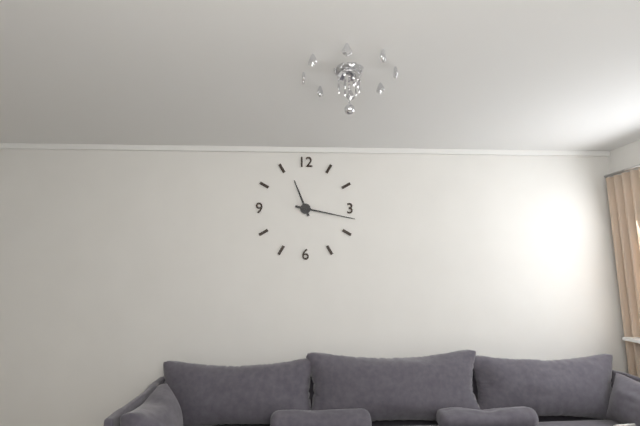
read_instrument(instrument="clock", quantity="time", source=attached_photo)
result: 11:17
